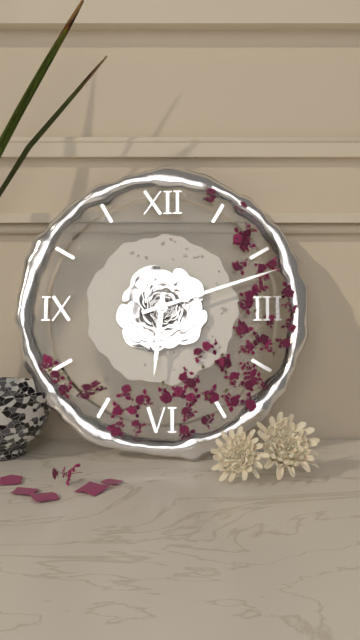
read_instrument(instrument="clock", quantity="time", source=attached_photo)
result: 6:12
